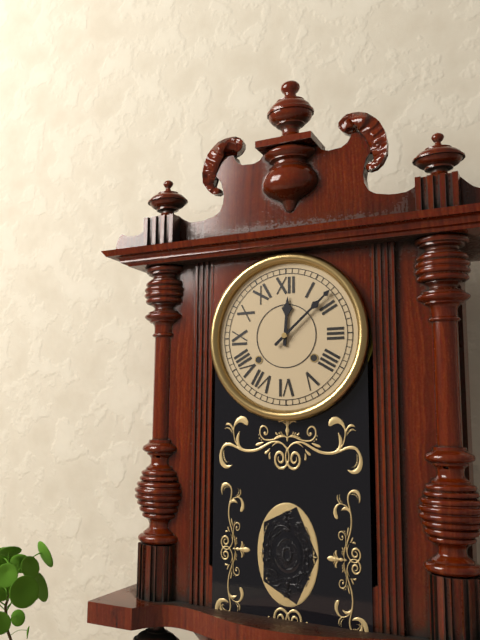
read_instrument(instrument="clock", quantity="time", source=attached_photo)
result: 12:08
